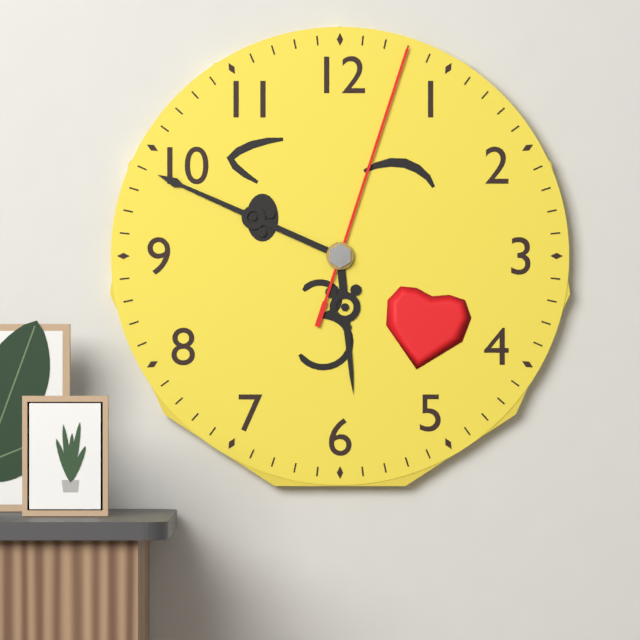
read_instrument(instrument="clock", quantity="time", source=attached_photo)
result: 5:49:03
